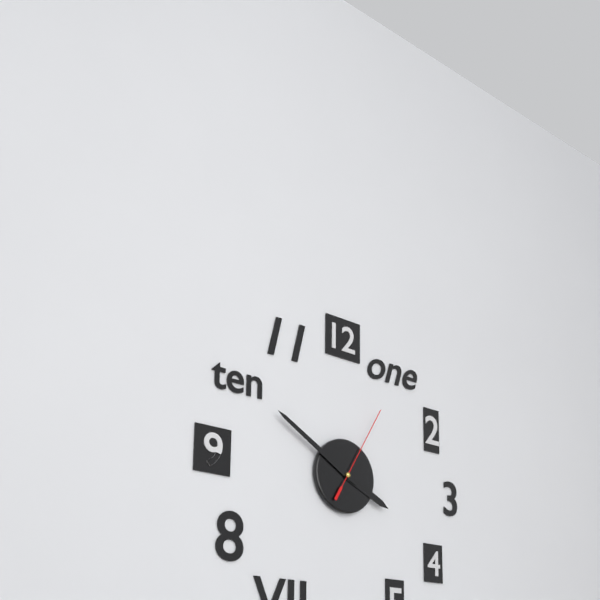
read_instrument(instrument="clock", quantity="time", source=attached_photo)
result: 3:50:05
